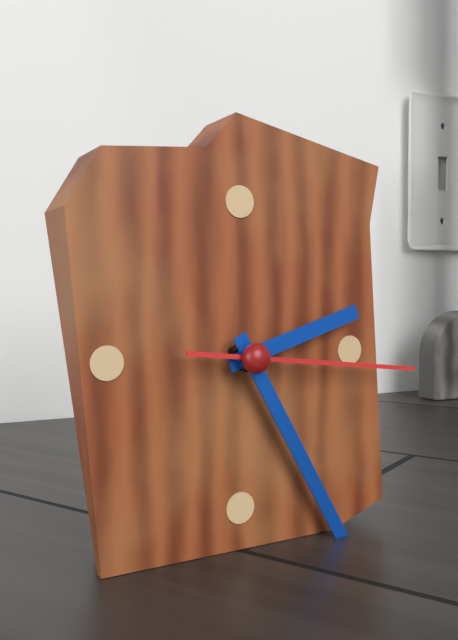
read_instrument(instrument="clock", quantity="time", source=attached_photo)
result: 2:25:16
